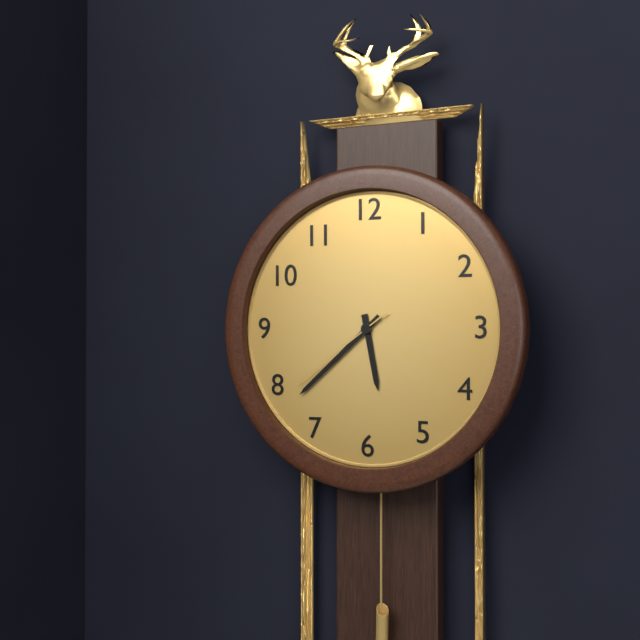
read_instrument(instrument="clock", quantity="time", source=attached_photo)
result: 5:38:39
